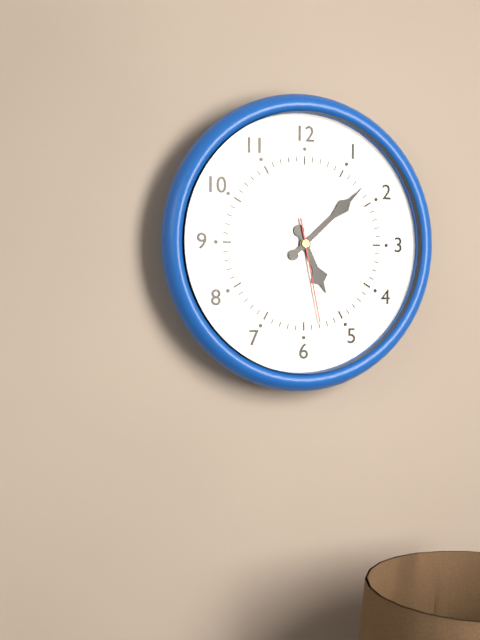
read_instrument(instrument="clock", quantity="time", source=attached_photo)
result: 5:08:28
